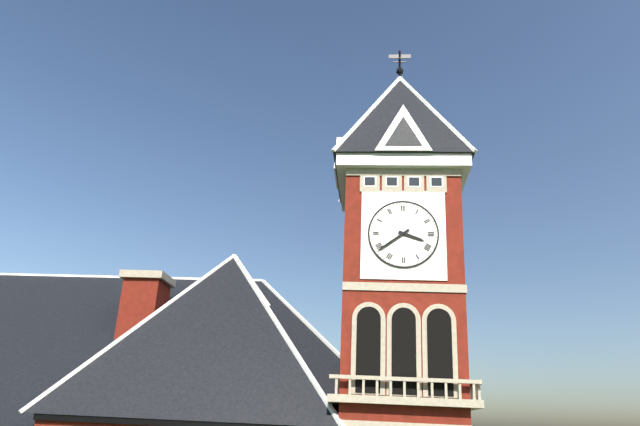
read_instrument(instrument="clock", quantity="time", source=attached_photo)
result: 3:39
